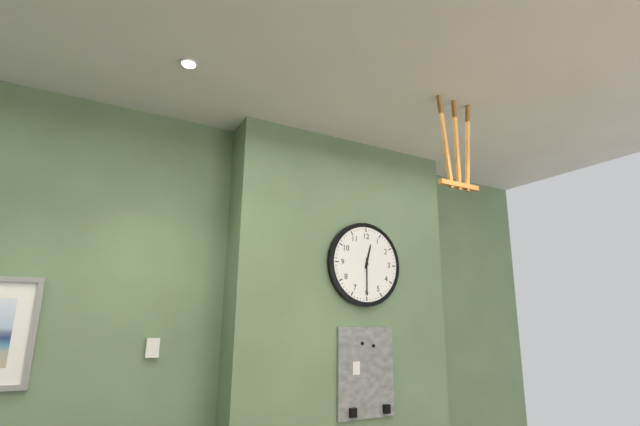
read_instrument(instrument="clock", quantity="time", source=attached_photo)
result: 12:30
